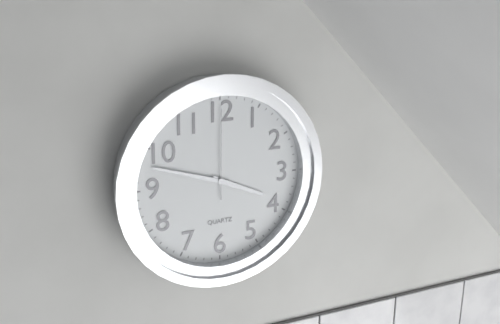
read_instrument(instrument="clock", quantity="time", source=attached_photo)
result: 3:48:00
